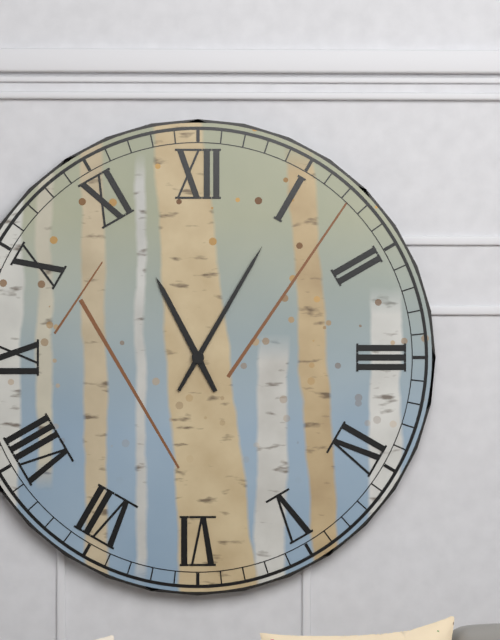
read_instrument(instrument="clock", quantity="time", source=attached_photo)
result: 11:05
